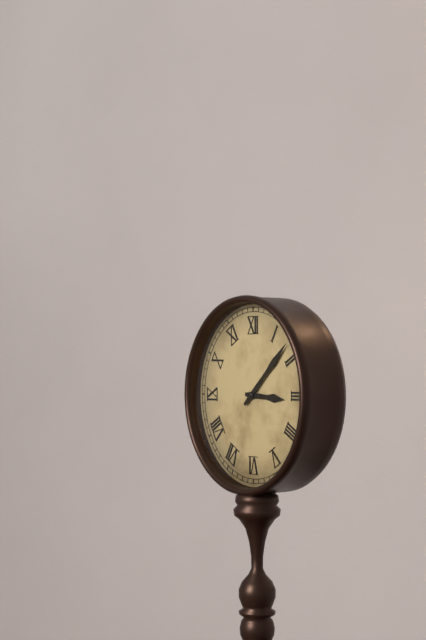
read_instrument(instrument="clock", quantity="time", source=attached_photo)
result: 3:08
